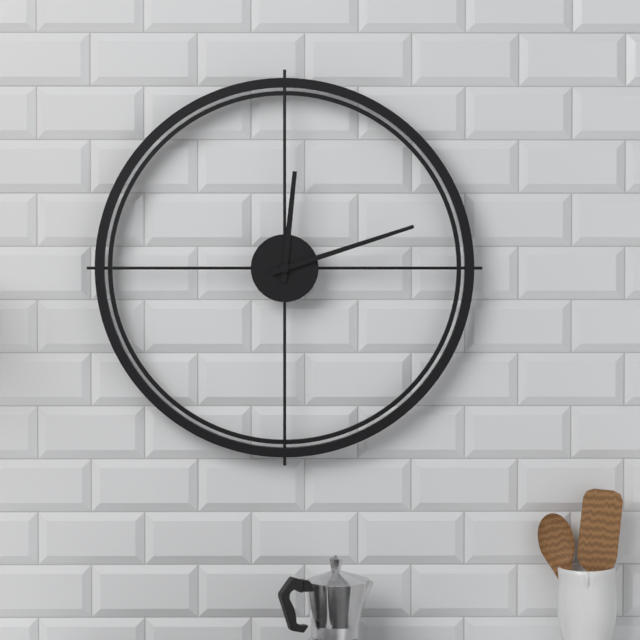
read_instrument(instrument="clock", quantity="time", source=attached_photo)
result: 12:12
